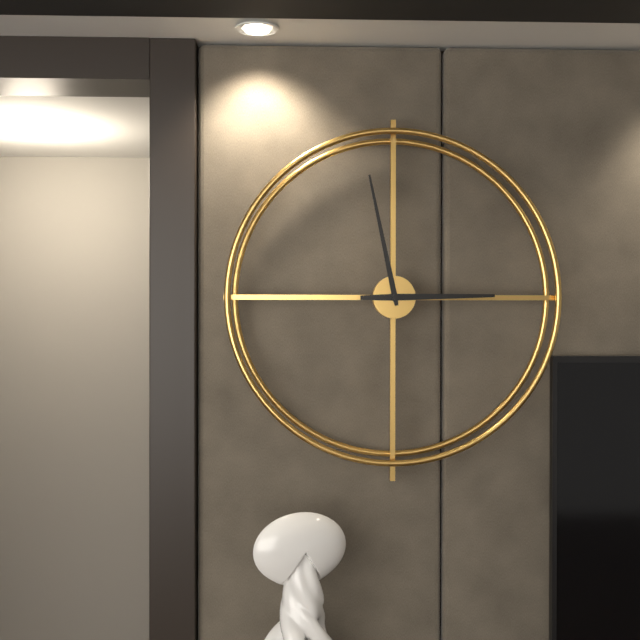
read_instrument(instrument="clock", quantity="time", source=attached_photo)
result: 2:58
